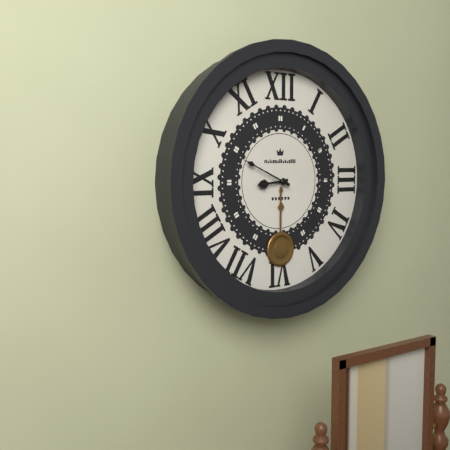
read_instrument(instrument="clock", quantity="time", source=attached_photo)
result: 8:49
